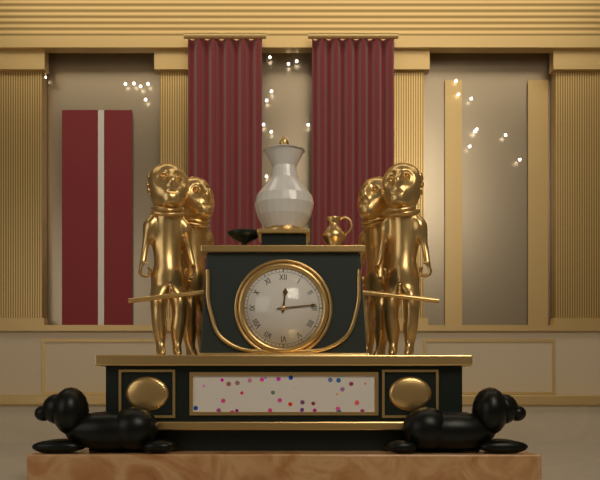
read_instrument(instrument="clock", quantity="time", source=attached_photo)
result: 12:14
